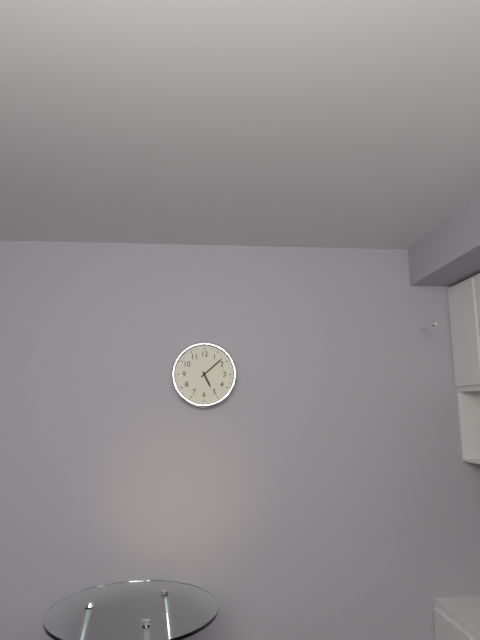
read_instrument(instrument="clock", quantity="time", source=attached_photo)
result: 5:08
